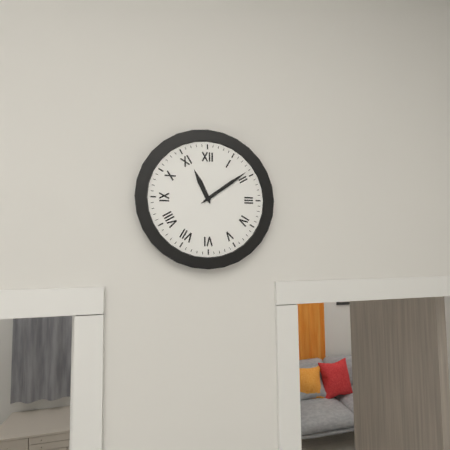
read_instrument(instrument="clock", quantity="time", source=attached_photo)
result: 11:09
